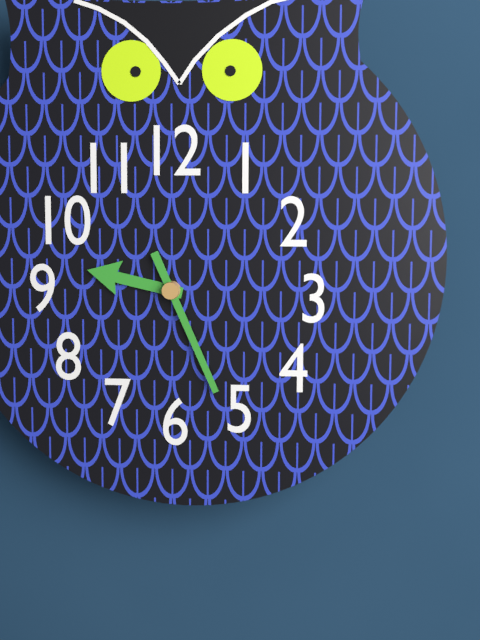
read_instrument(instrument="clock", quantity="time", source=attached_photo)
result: 9:26
